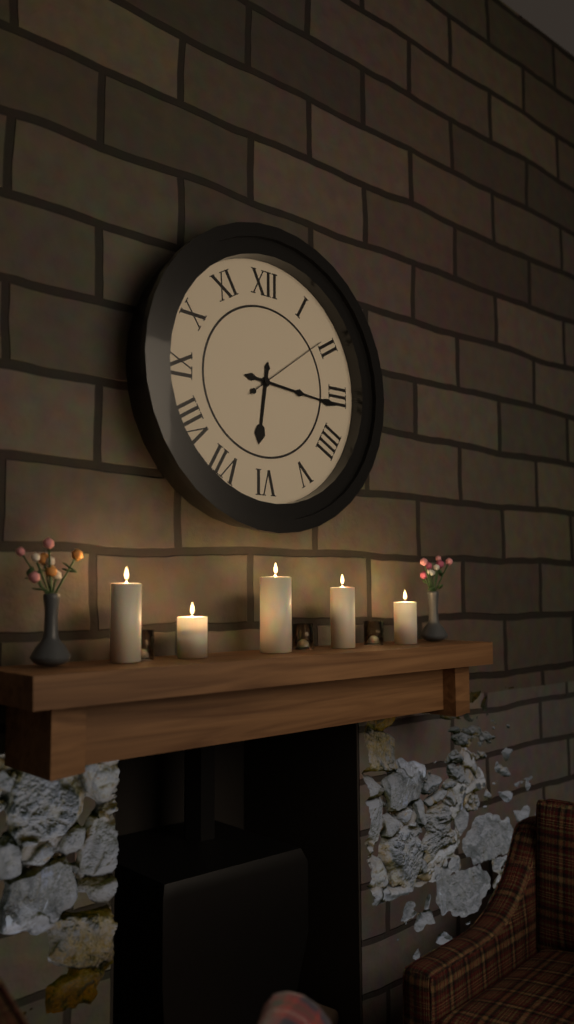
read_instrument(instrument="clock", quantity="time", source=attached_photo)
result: 6:16:09
